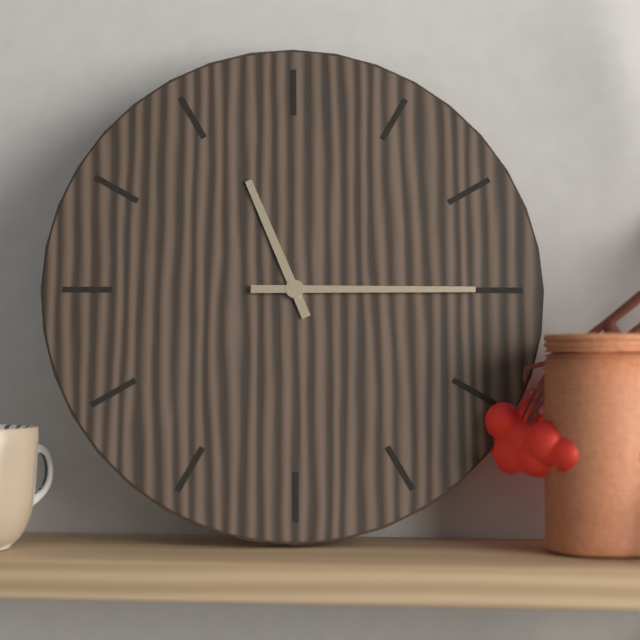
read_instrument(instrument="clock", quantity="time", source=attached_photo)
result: 11:15
